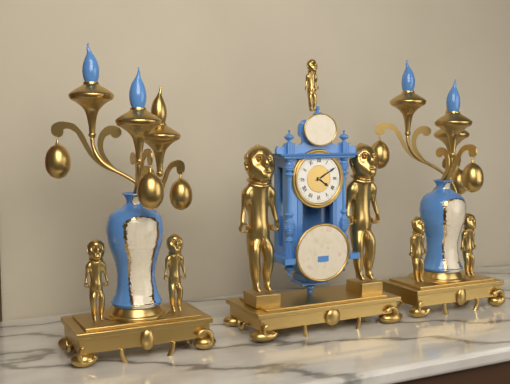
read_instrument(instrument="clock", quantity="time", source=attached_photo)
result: 4:10
